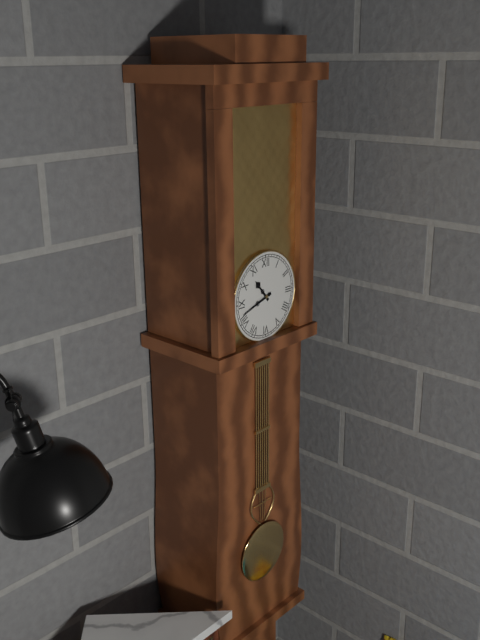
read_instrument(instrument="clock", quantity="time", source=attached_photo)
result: 10:42
